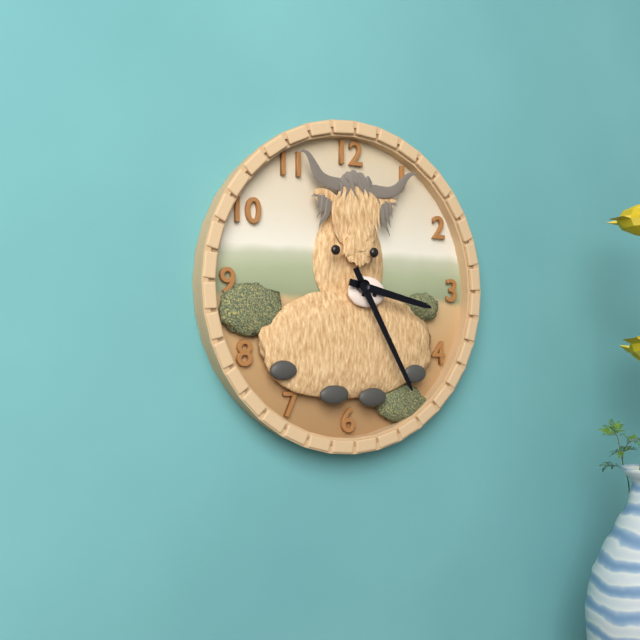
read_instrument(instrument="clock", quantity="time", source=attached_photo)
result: 3:25
